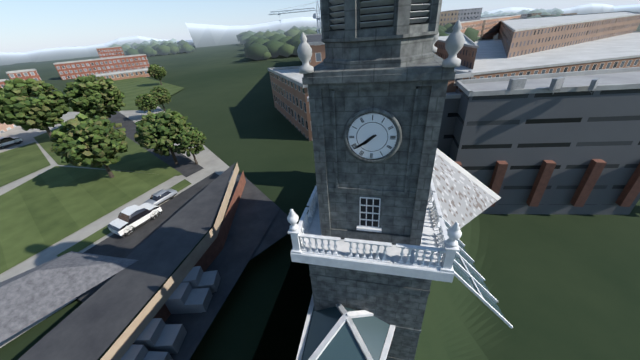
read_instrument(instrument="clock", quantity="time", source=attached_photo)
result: 7:39
